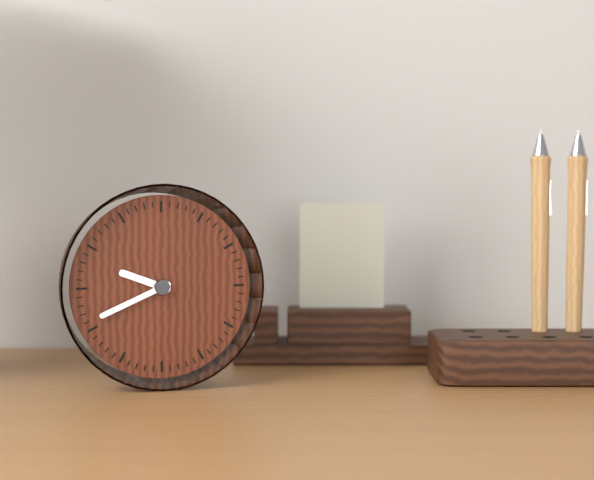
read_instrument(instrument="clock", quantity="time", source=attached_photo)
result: 9:41
